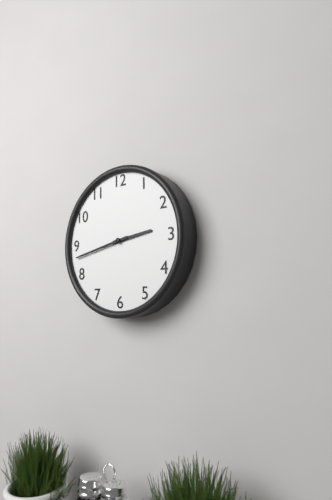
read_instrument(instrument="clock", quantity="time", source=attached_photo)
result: 2:43
